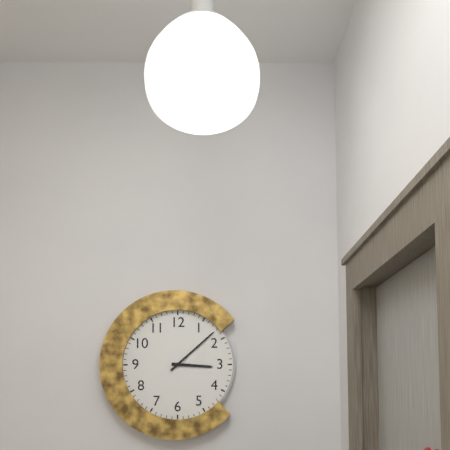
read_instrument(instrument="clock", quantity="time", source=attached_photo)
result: 3:08
